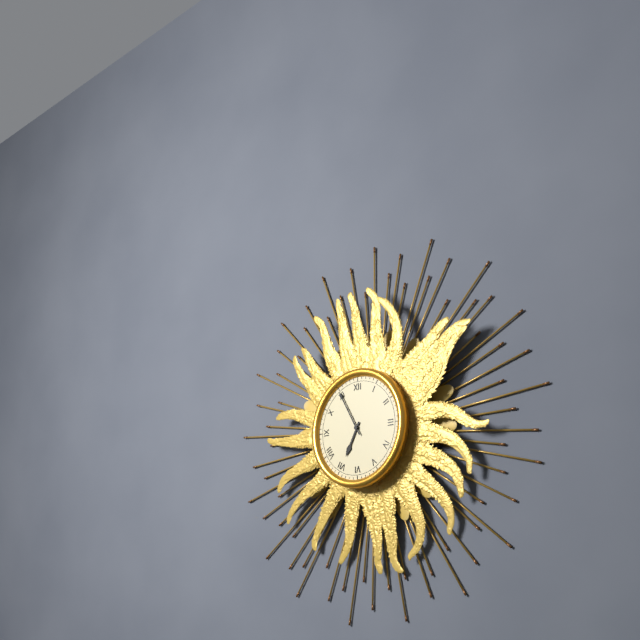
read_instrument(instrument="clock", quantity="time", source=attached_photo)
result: 6:55
